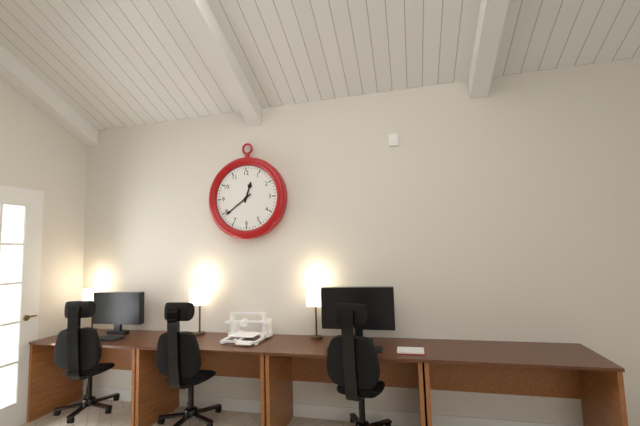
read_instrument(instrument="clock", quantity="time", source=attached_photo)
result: 12:39
